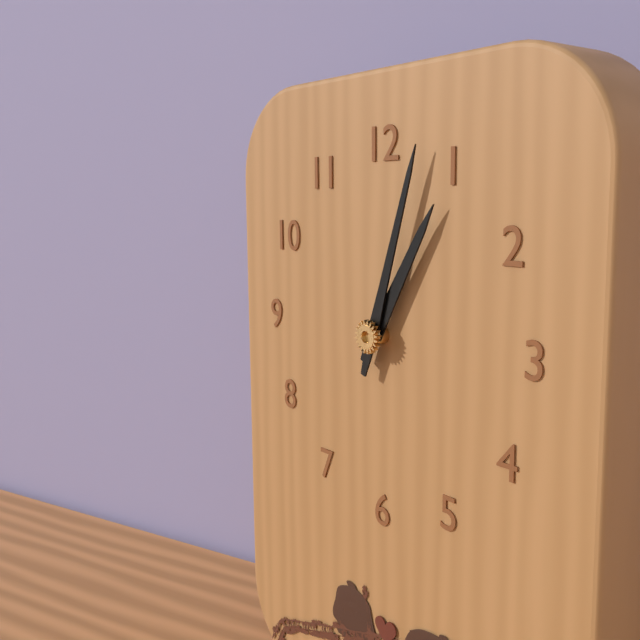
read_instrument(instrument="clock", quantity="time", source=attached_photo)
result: 1:03
